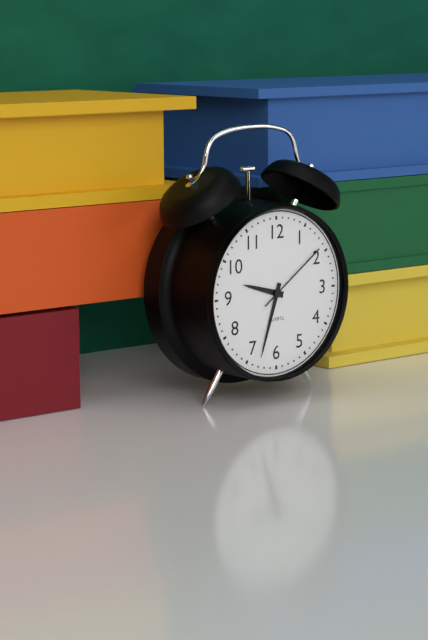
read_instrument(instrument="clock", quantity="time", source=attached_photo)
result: 9:33:09
